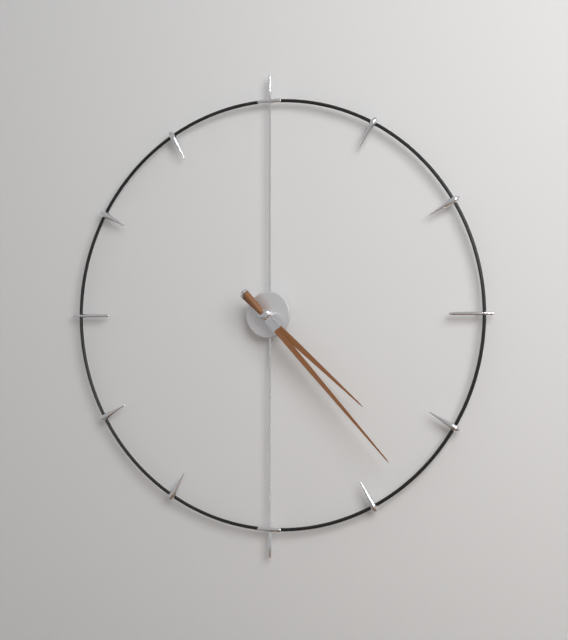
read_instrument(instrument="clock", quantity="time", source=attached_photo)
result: 4:23
